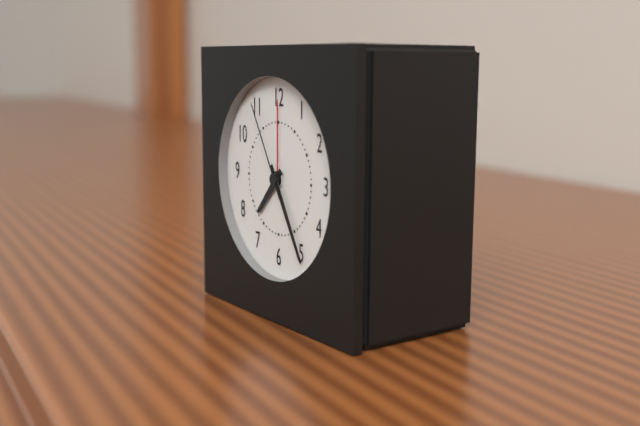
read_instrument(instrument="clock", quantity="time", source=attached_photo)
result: 7:25:55
